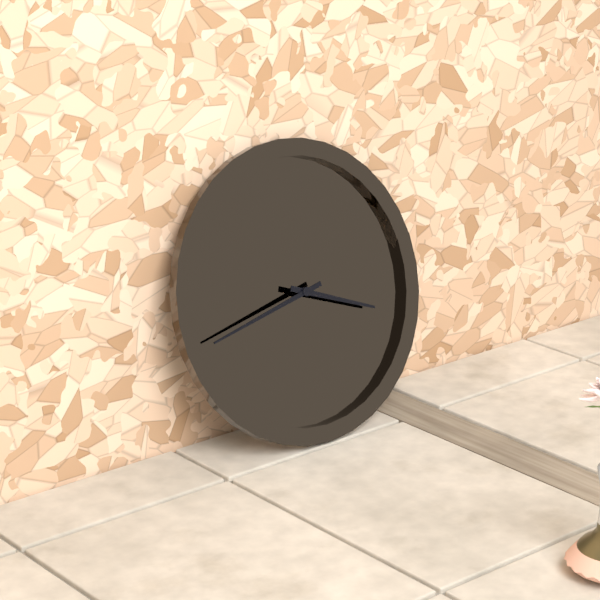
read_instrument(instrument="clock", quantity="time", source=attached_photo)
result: 3:43
